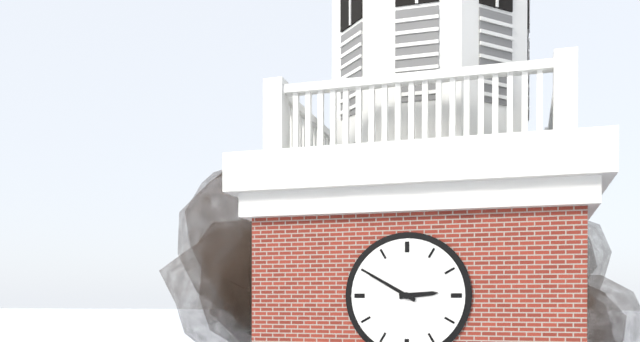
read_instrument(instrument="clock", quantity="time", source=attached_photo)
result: 2:50
